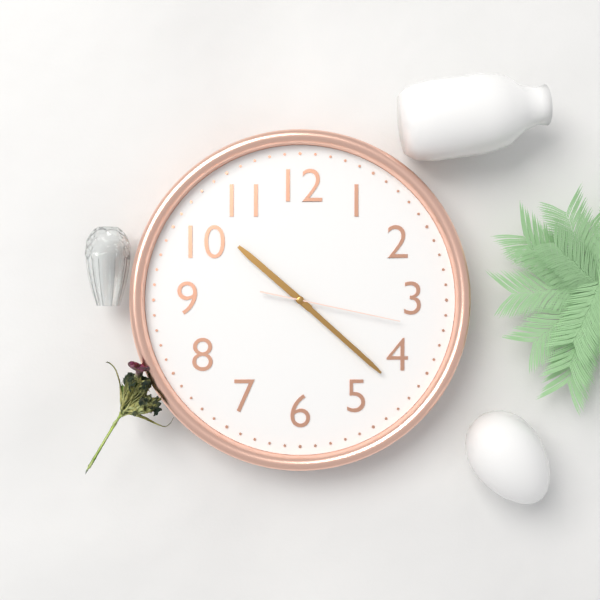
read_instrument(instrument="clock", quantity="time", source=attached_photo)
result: 10:22:17
